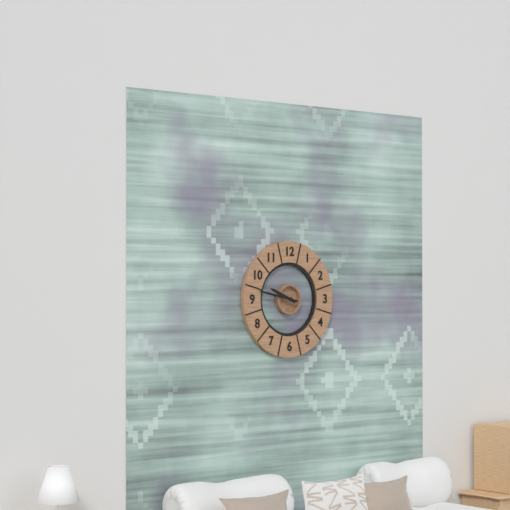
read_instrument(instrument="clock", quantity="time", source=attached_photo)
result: 9:47
